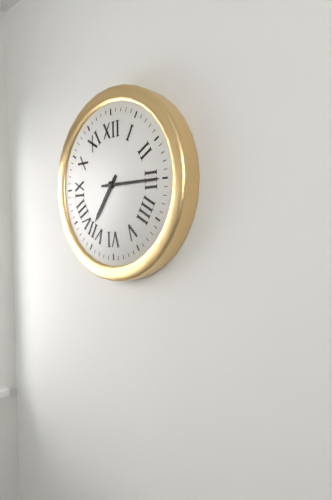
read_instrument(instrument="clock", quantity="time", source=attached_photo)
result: 7:15
